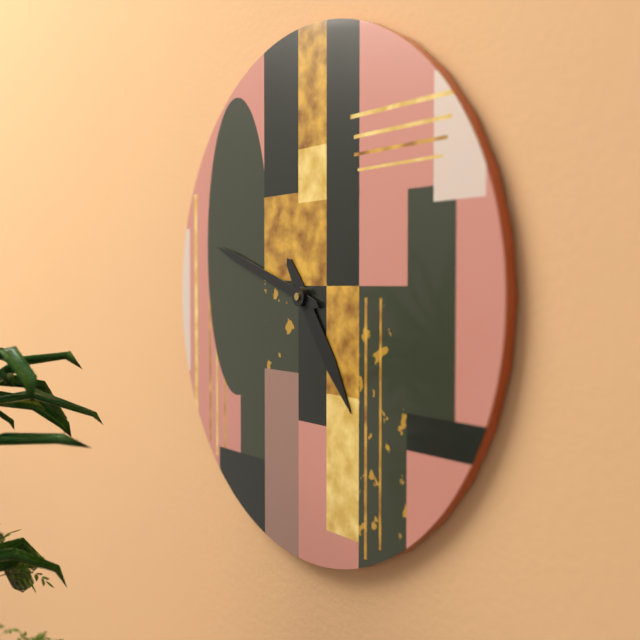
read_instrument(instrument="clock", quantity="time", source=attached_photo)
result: 4:48
